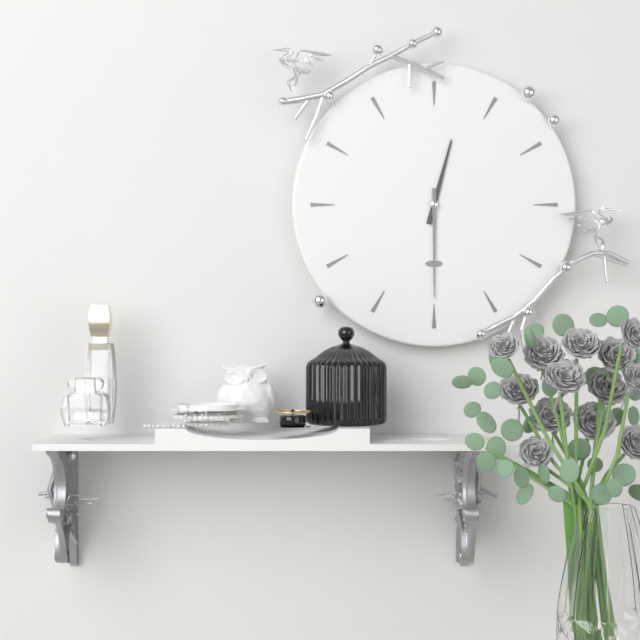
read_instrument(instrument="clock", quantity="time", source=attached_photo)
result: 12:30
